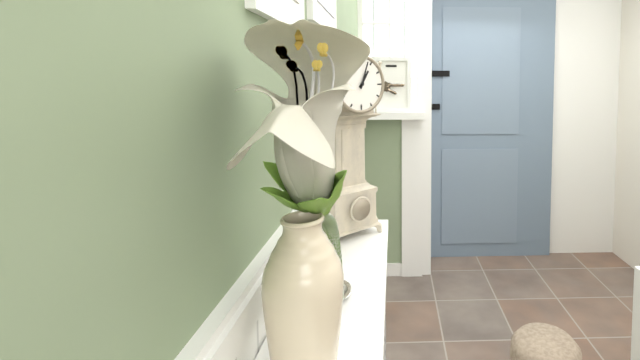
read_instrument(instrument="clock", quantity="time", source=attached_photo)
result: 1:03
